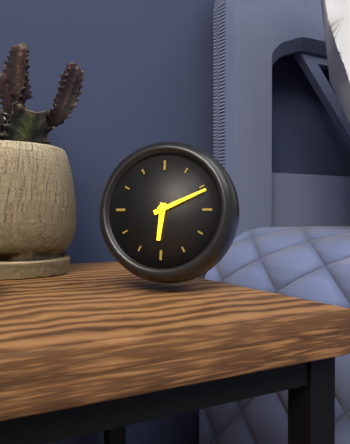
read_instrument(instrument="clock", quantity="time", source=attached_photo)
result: 6:11
